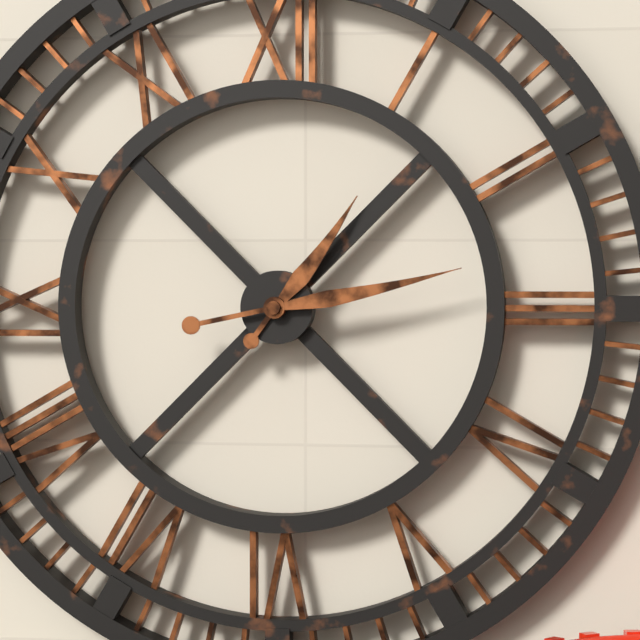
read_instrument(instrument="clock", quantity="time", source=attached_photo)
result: 1:13
